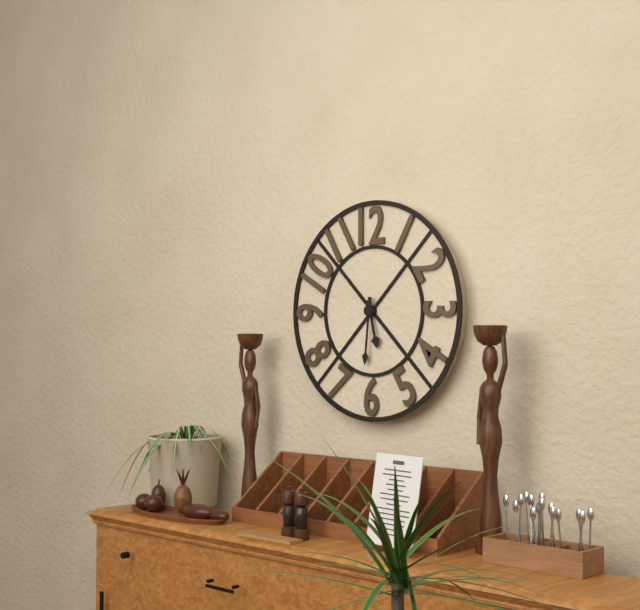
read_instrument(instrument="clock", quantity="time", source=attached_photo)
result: 5:31
